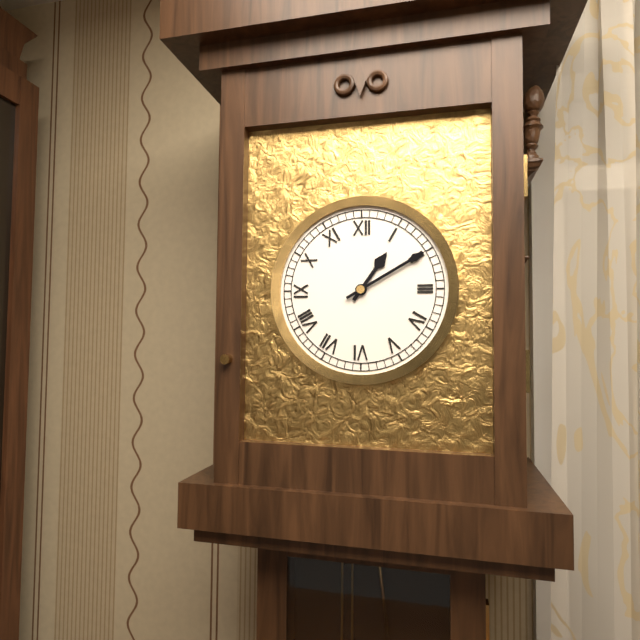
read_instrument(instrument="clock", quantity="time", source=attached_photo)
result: 1:10
